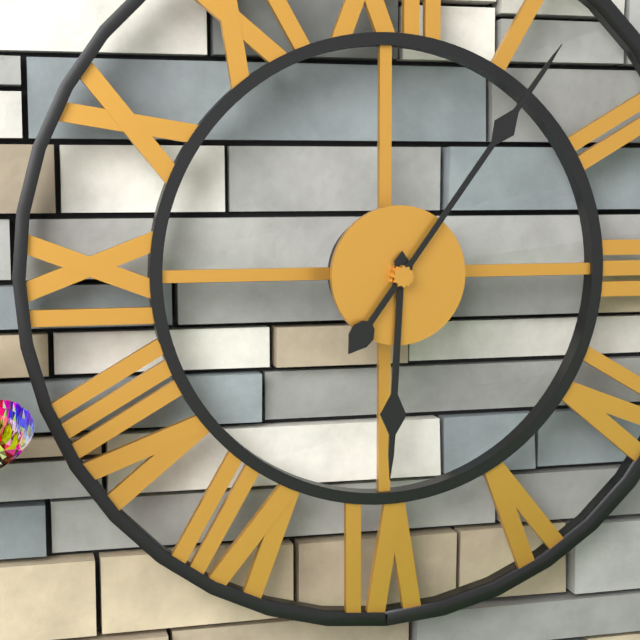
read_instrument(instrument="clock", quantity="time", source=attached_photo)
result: 6:06
